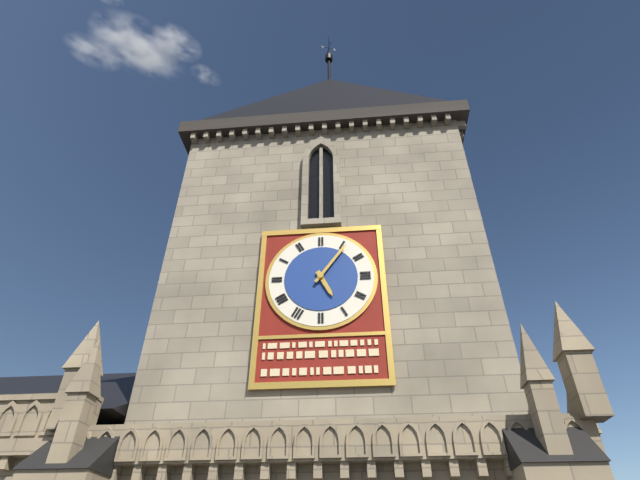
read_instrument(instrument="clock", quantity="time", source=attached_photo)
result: 5:06
